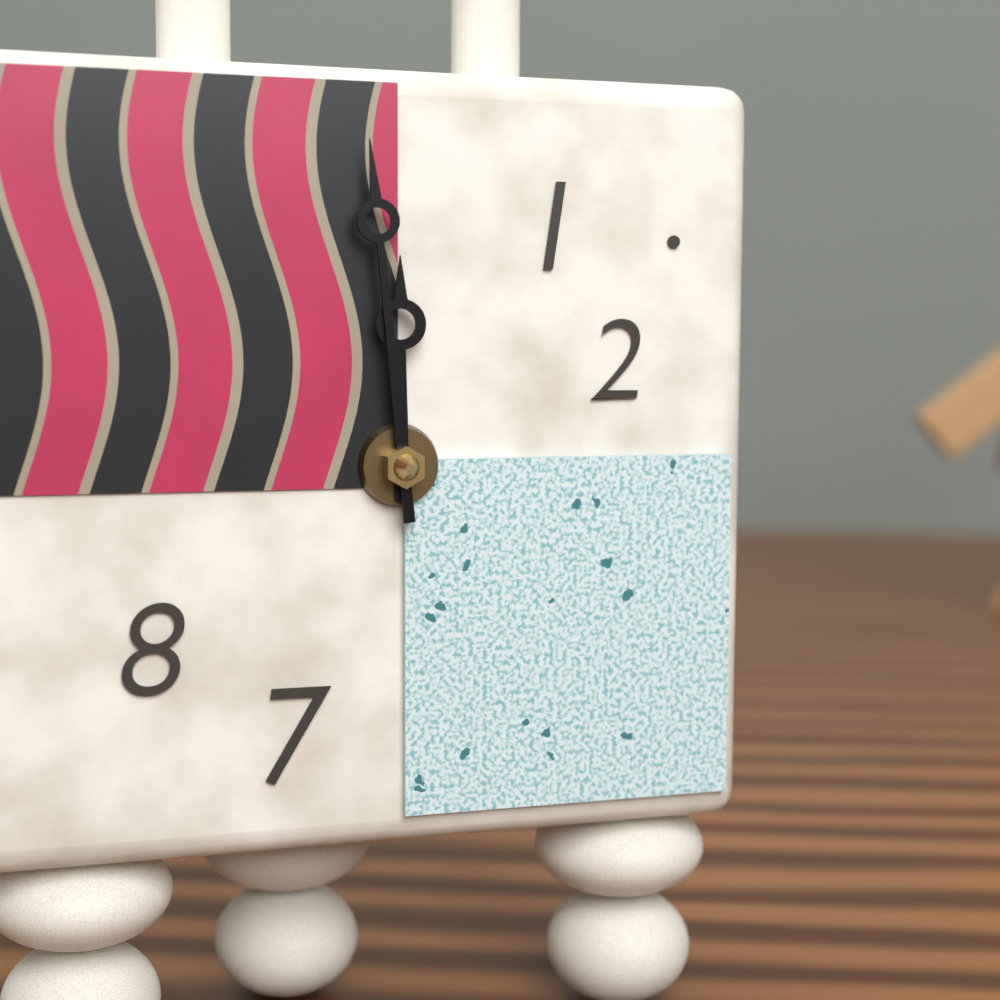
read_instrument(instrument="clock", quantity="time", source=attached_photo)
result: 11:59
